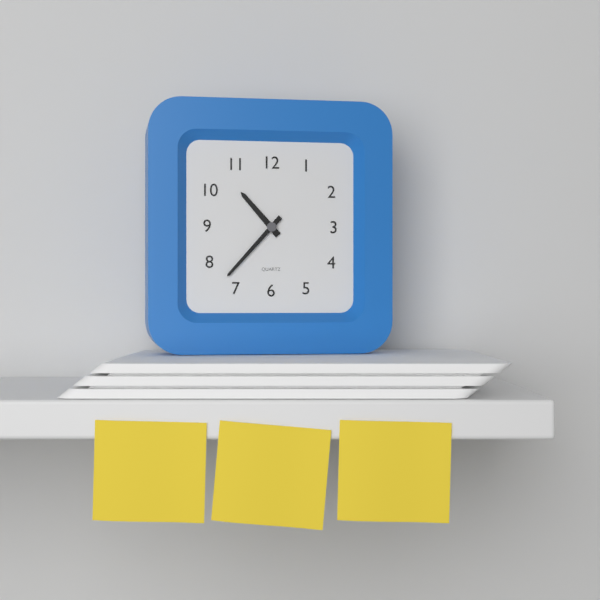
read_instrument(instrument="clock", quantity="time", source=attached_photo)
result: 10:37
